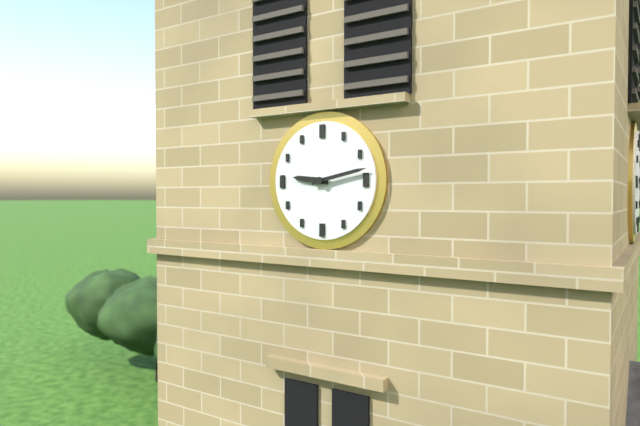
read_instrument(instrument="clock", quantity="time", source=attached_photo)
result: 9:13
